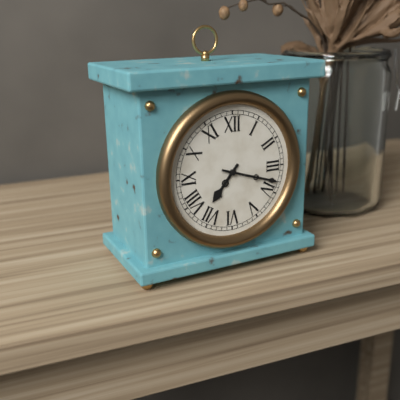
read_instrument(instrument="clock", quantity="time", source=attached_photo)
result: 7:18
